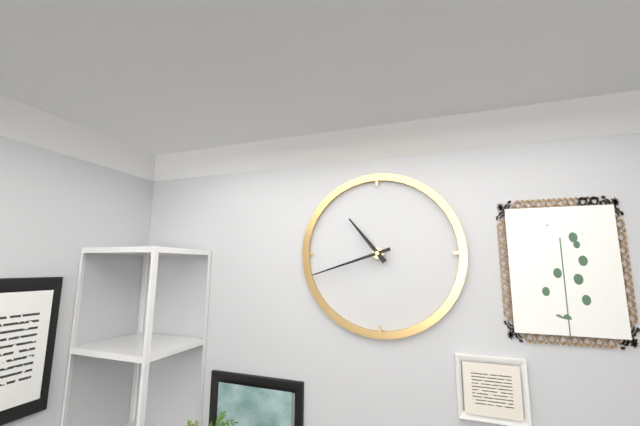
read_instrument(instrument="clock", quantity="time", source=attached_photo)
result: 10:42
